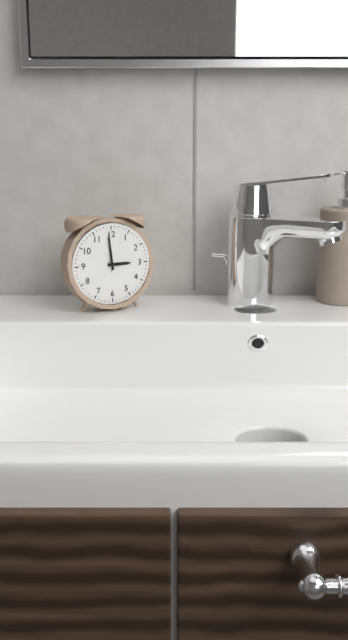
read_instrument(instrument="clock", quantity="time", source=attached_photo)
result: 2:59
